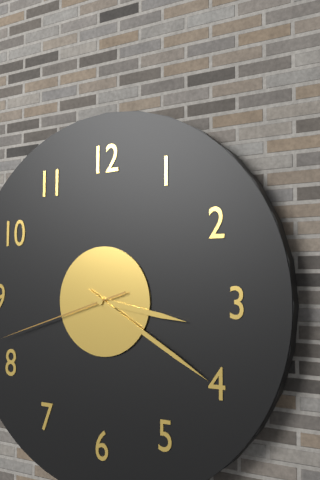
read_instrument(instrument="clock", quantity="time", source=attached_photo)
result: 3:20:42
